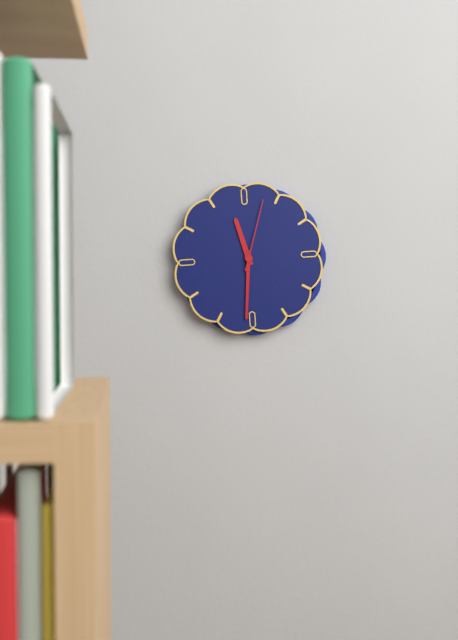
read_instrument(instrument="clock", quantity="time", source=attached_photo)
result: 11:31:03
